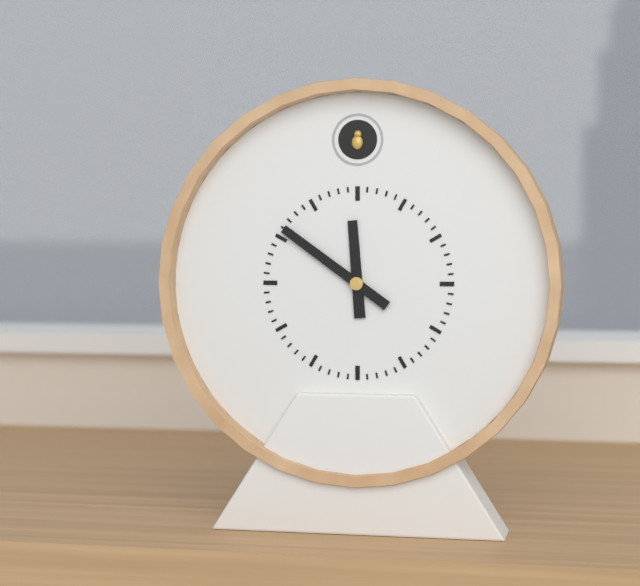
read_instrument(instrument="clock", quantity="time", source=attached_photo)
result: 11:51
